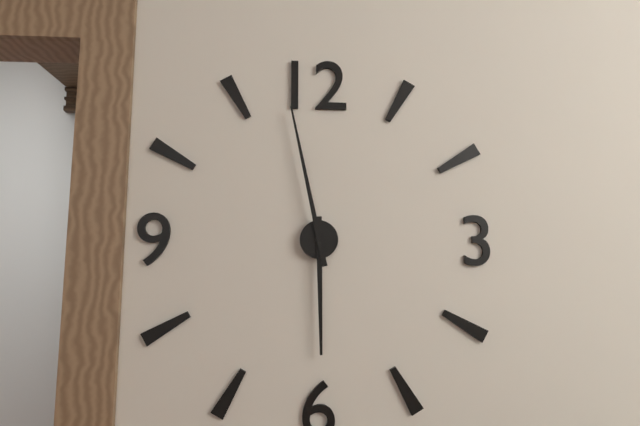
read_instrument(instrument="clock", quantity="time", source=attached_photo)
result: 5:58
